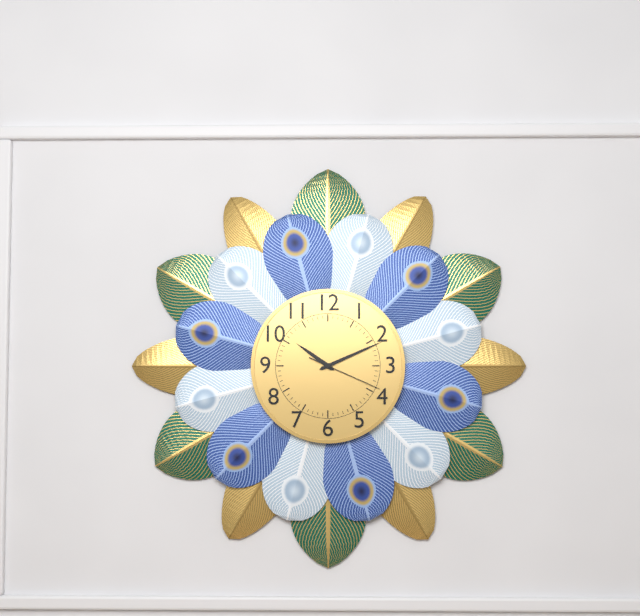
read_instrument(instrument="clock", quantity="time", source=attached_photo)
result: 10:11:19
